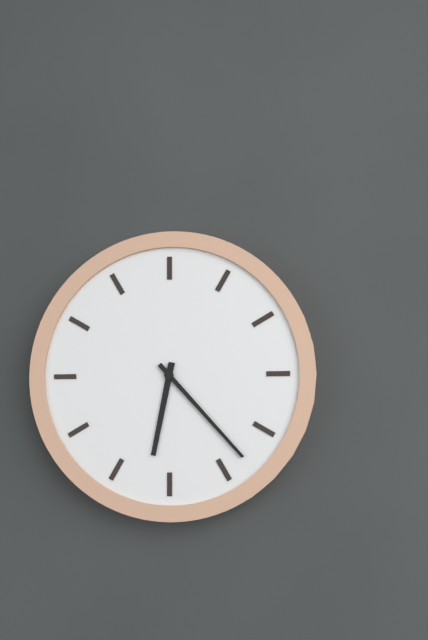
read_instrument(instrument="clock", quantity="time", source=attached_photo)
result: 6:23
